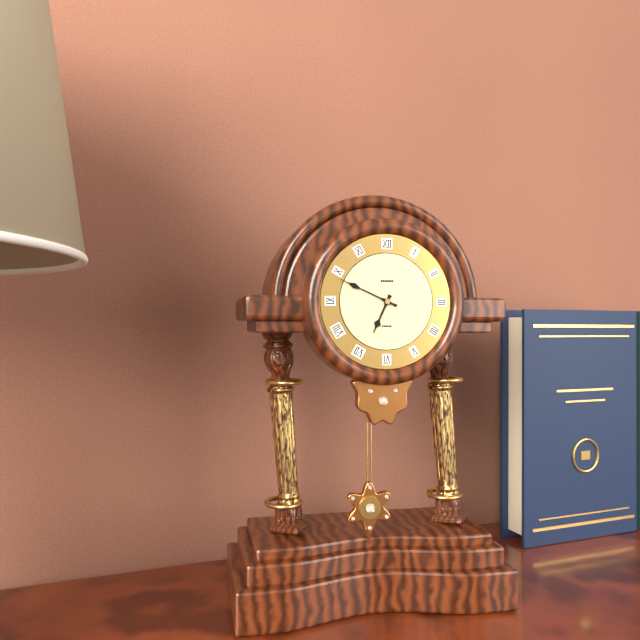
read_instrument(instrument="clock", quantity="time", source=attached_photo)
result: 6:49
